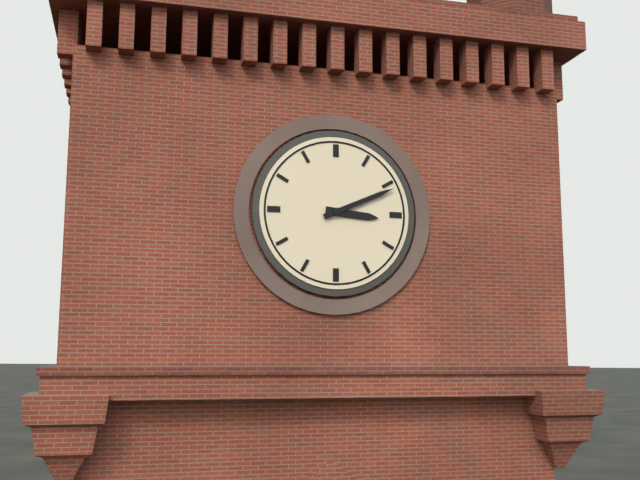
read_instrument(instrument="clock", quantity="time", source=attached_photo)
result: 3:11
